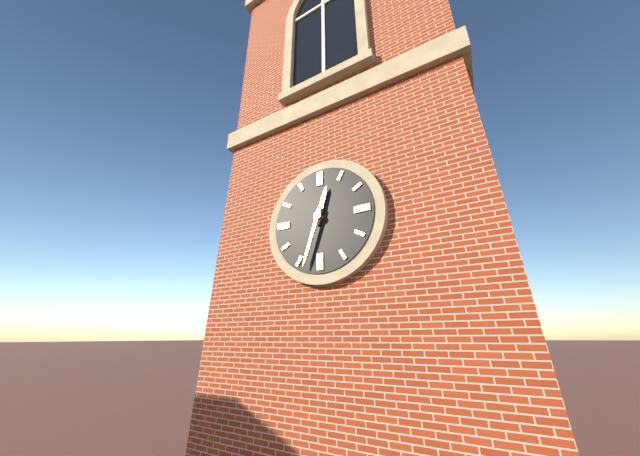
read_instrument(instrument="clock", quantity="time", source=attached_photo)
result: 12:33
